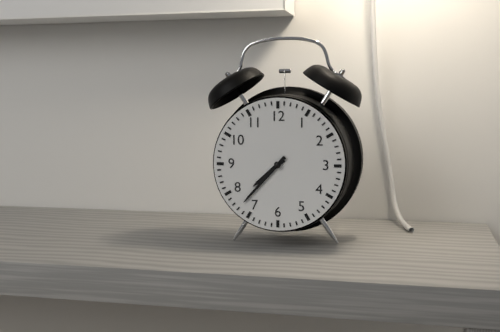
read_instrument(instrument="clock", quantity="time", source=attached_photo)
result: 7:37
